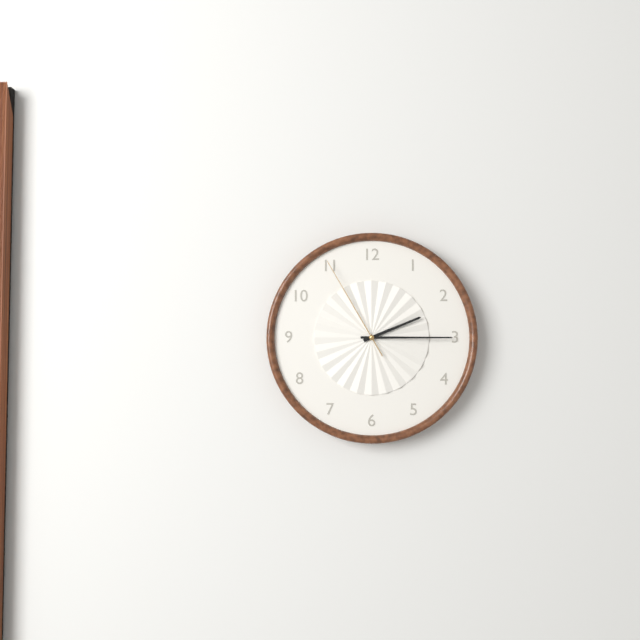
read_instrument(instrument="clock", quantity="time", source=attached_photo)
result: 2:15:55
